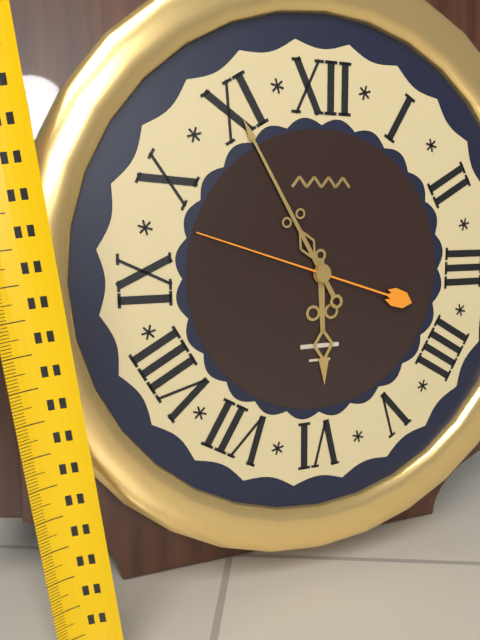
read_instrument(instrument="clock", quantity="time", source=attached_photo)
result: 5:55:48
